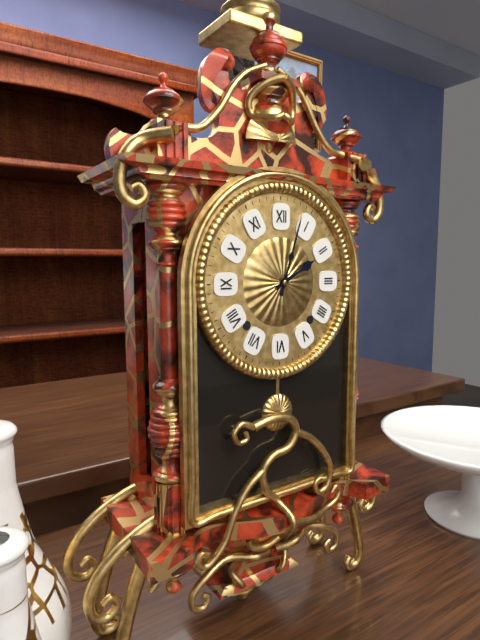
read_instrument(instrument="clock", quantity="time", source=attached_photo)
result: 2:03
